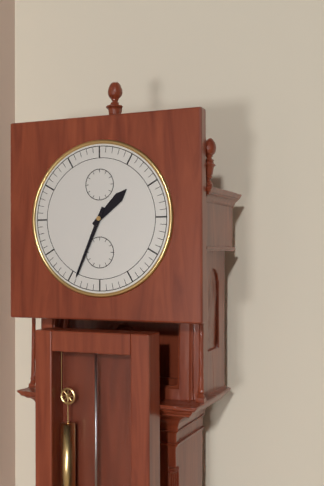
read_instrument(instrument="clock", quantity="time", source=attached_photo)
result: 1:34
